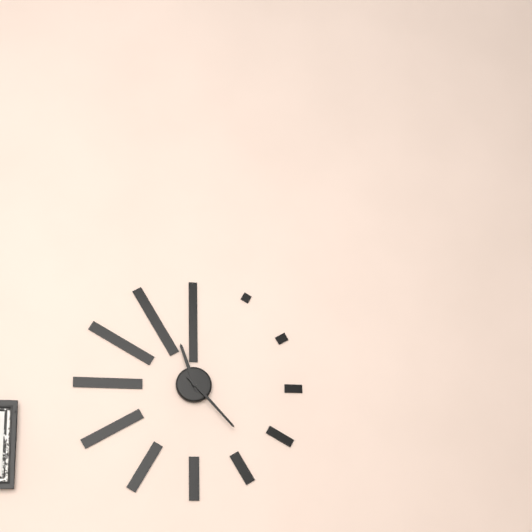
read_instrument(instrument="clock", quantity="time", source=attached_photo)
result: 11:23
